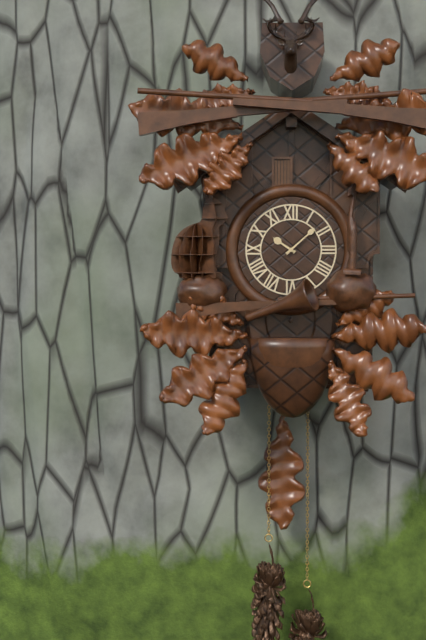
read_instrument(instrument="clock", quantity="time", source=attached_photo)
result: 10:08
